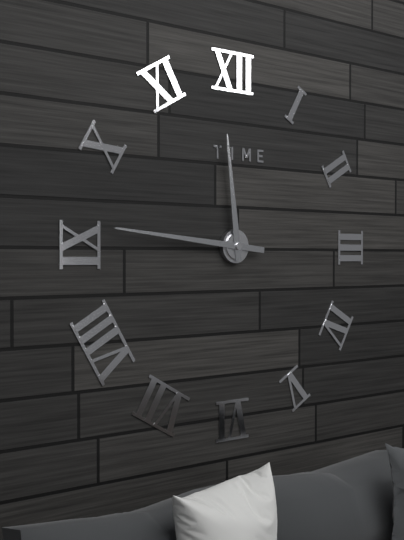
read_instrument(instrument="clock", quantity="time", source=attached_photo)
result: 11:46
